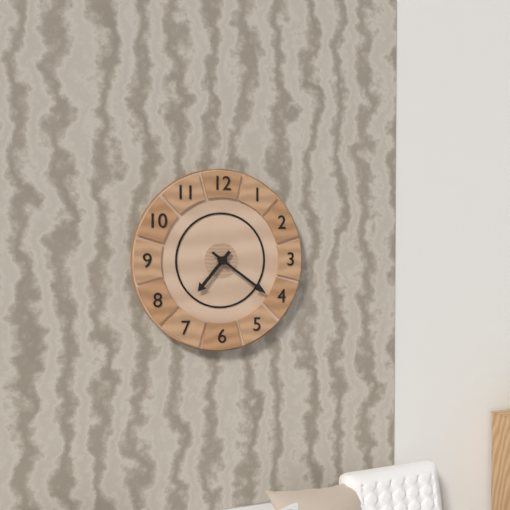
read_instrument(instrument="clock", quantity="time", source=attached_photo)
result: 7:21
